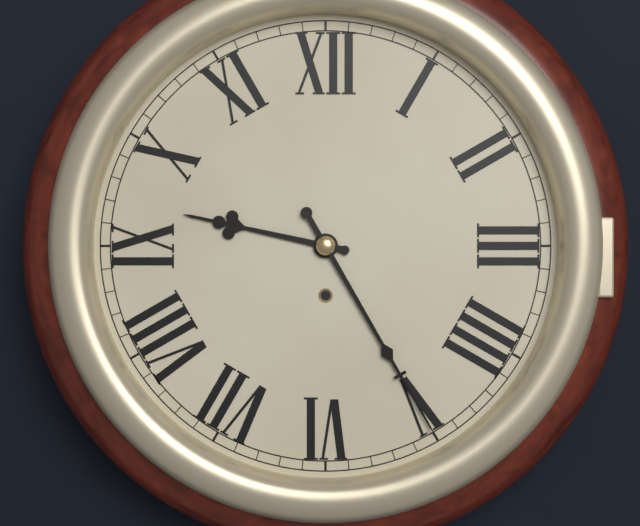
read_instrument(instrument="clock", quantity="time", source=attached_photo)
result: 9:25
